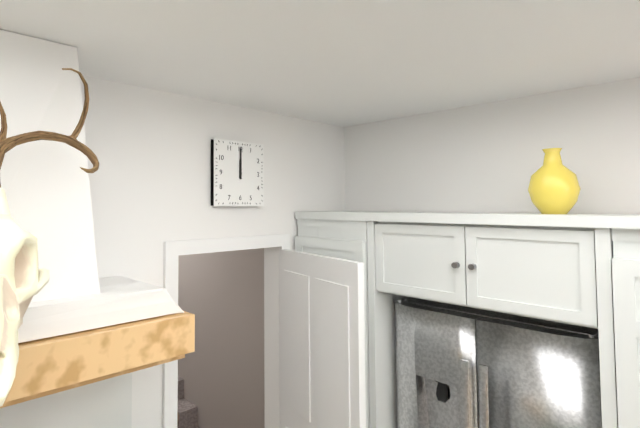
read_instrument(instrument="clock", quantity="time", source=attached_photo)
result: 12:00
